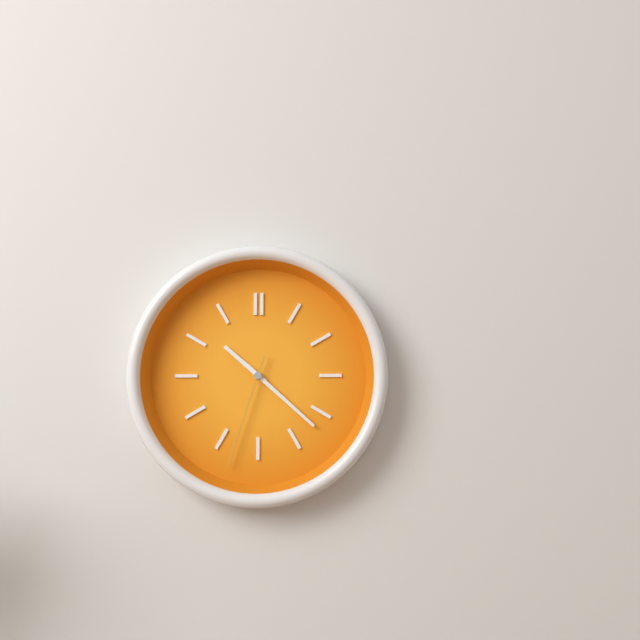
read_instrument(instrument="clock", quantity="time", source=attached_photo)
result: 10:22:33
